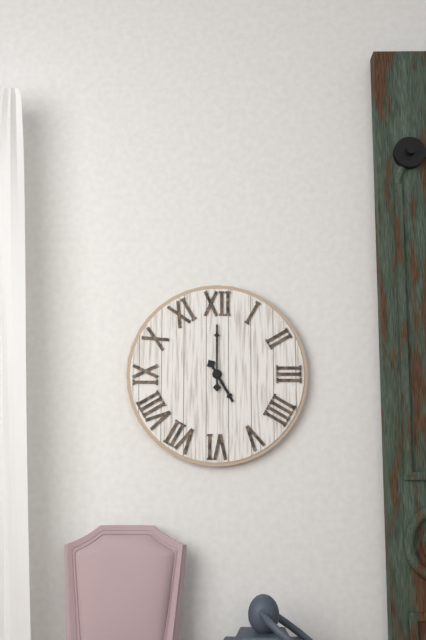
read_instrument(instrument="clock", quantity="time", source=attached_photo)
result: 5:00
